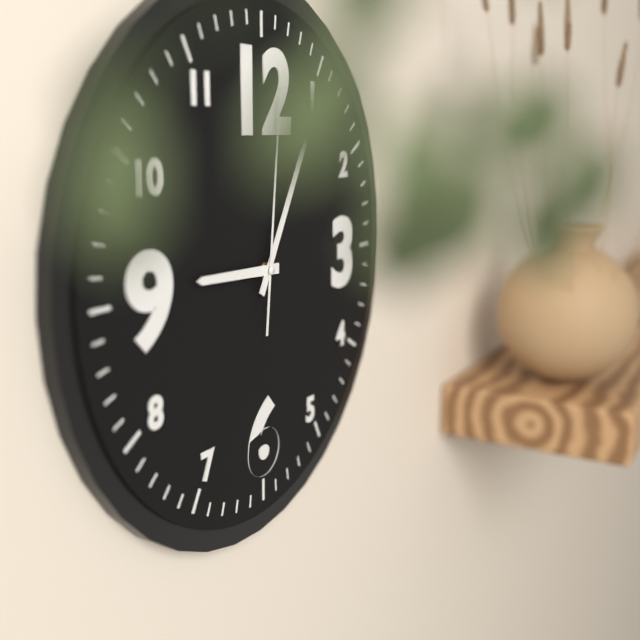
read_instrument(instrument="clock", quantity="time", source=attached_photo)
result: 9:05:01
